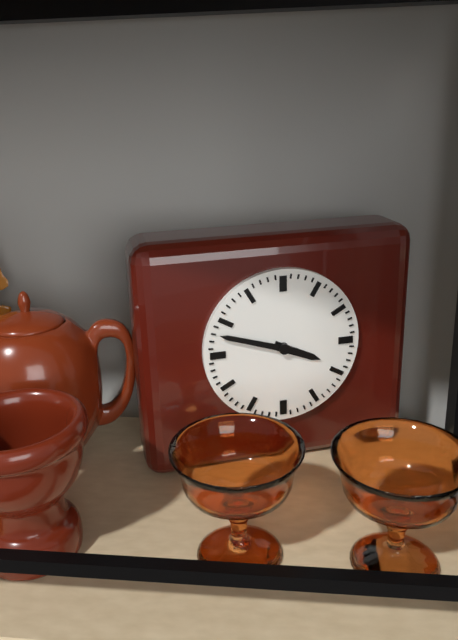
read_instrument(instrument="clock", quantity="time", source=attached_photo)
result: 3:48
